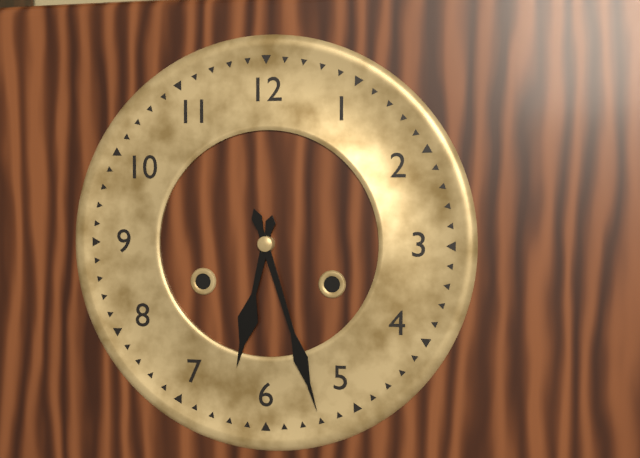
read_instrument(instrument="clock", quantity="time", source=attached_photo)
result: 6:27
